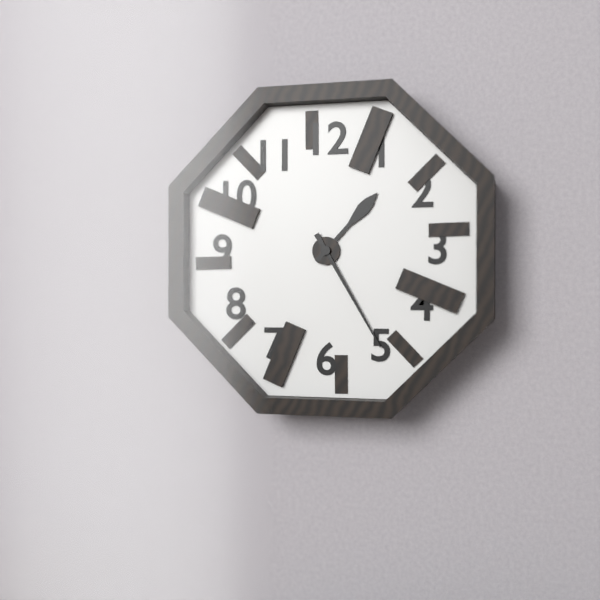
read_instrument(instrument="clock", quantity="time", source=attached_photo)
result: 1:25
